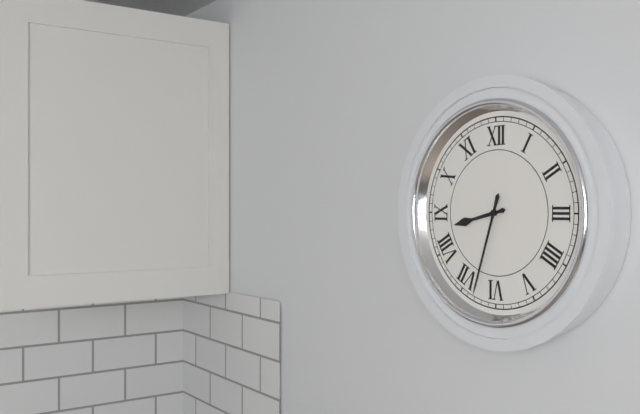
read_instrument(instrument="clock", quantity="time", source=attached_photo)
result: 8:33
